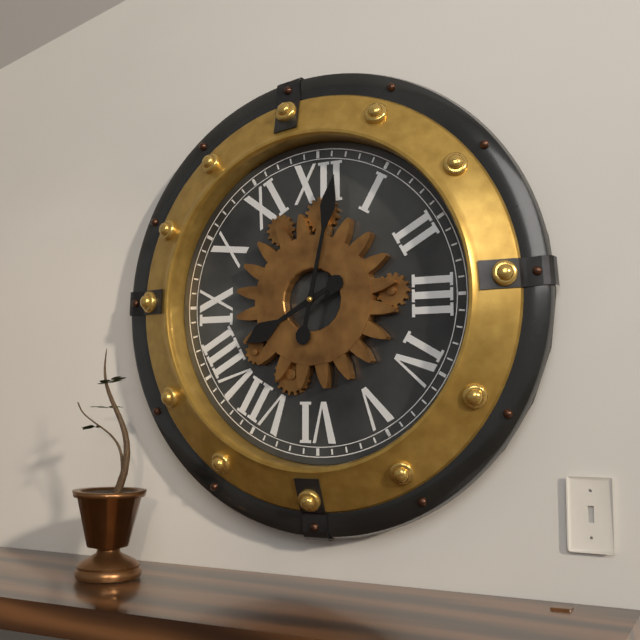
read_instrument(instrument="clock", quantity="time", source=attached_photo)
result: 8:02
